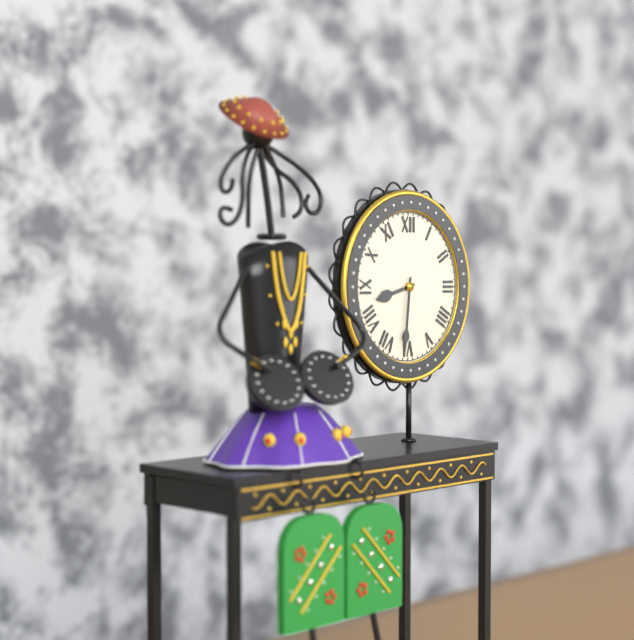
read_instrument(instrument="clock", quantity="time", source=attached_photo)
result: 8:31
